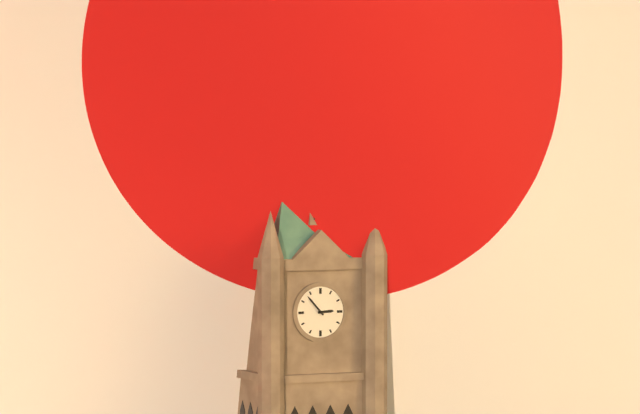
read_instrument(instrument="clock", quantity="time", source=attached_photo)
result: 2:53
